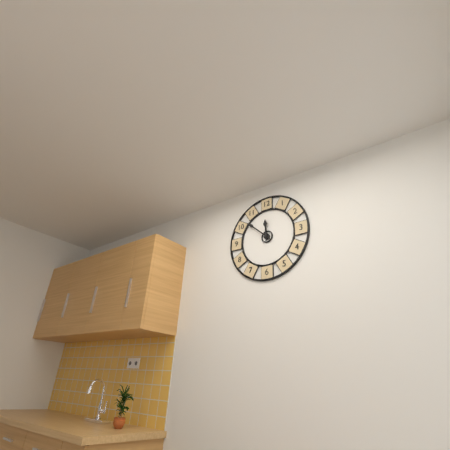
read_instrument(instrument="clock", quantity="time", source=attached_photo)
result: 11:52
